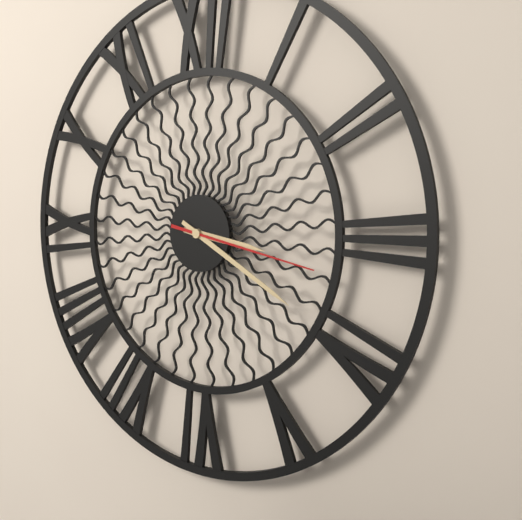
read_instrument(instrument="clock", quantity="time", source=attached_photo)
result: 3:20:17
